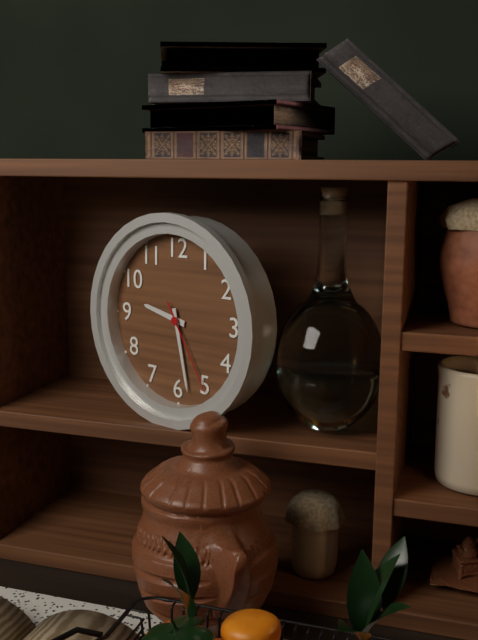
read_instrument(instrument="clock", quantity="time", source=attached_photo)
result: 9:28:25
